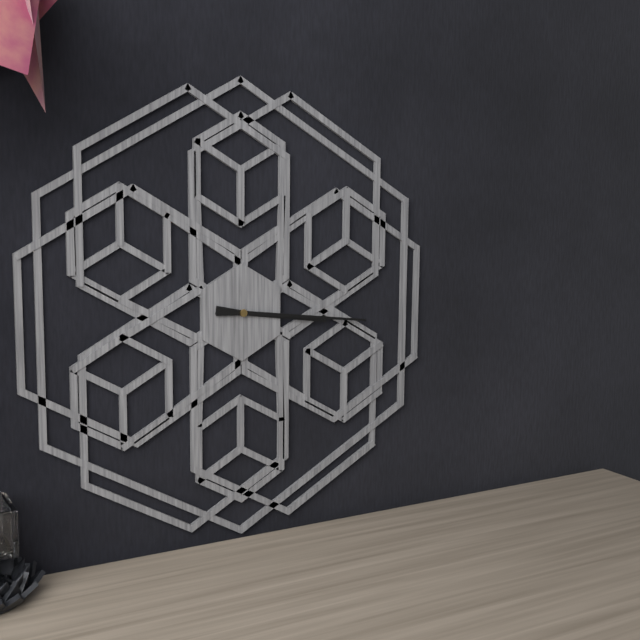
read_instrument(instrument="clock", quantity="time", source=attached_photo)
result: 3:16
